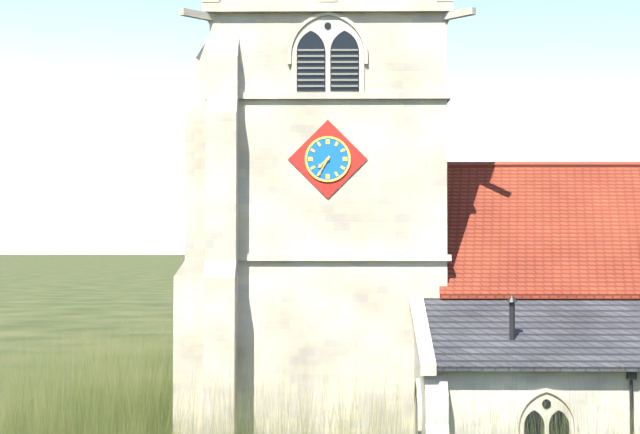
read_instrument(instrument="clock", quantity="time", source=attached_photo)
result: 7:35
